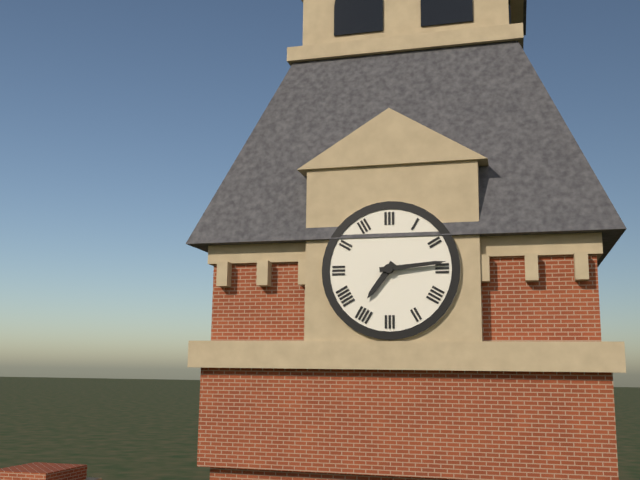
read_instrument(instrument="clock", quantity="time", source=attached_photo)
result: 7:14
